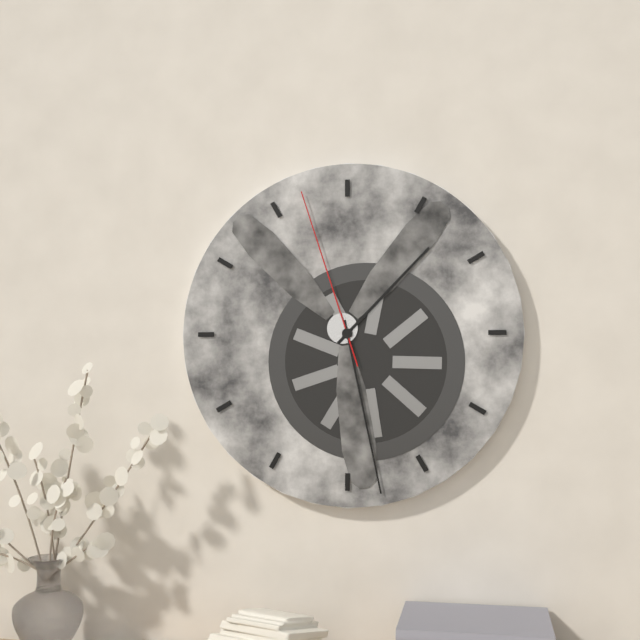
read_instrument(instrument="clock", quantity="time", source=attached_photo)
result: 1:28:57
